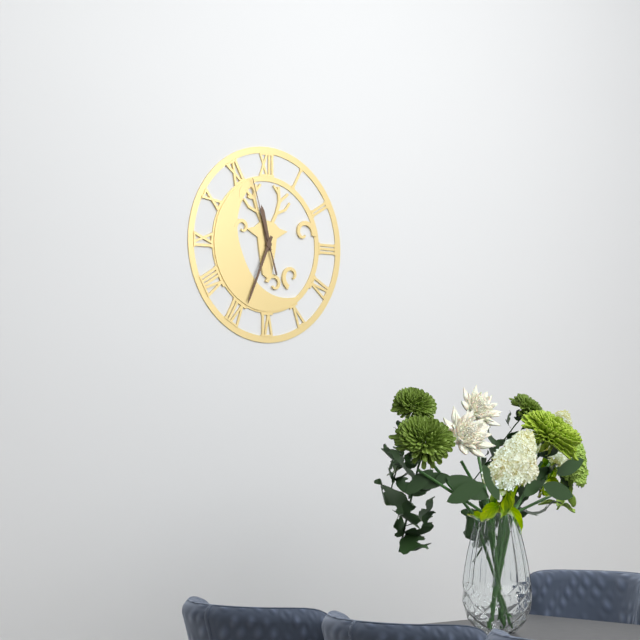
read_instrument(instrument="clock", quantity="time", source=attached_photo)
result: 11:34:57
